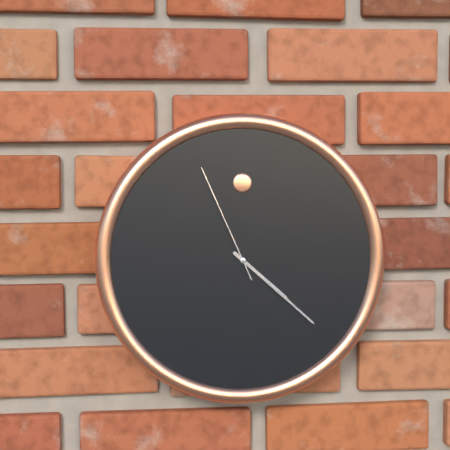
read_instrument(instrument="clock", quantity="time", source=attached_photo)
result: 4:22:56
